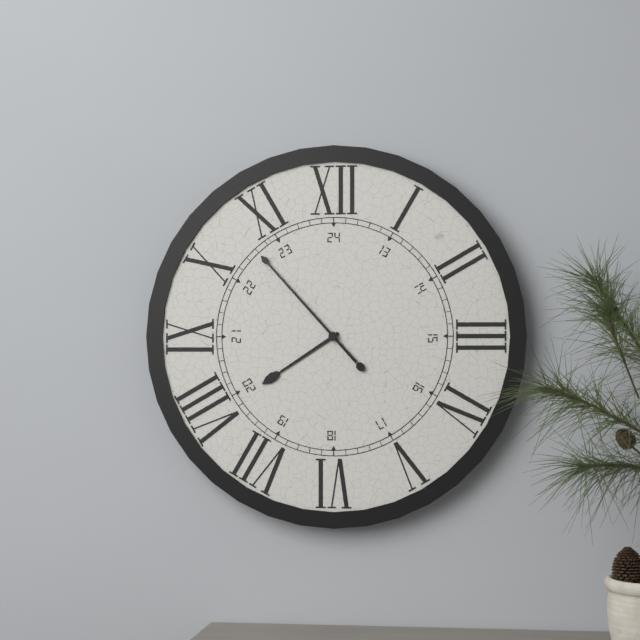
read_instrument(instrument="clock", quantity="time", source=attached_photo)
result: 7:53
